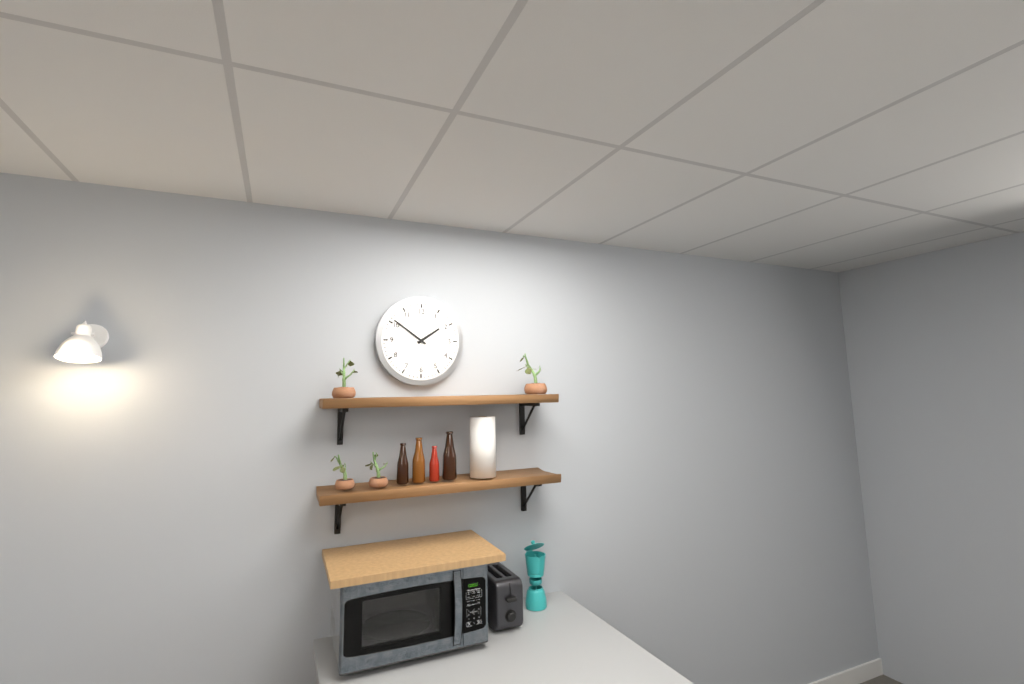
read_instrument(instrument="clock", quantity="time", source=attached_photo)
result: 1:51
